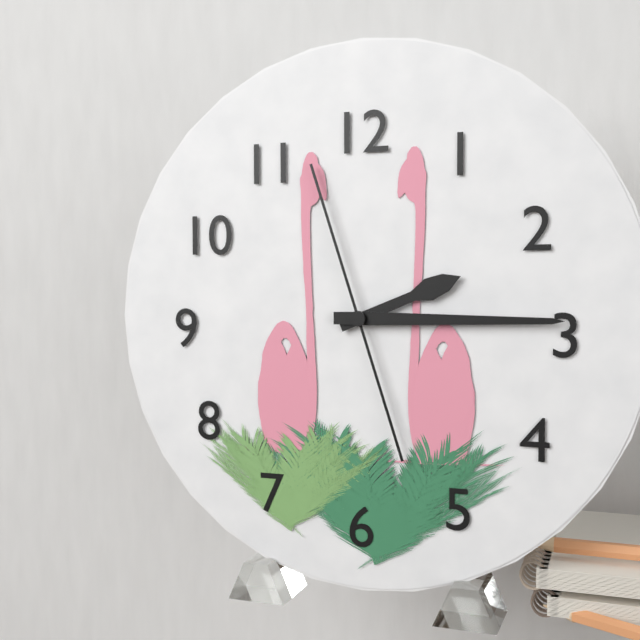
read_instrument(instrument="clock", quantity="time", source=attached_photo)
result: 2:15:57
